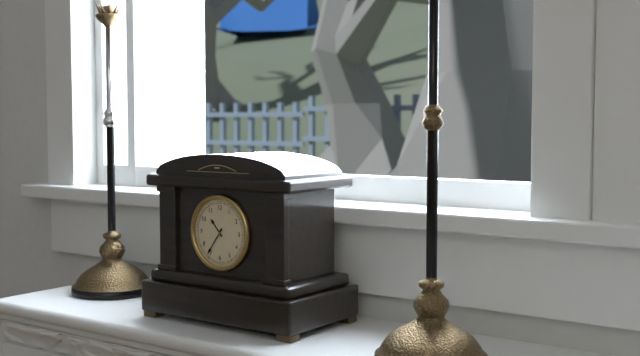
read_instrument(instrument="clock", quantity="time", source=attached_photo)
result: 10:36
